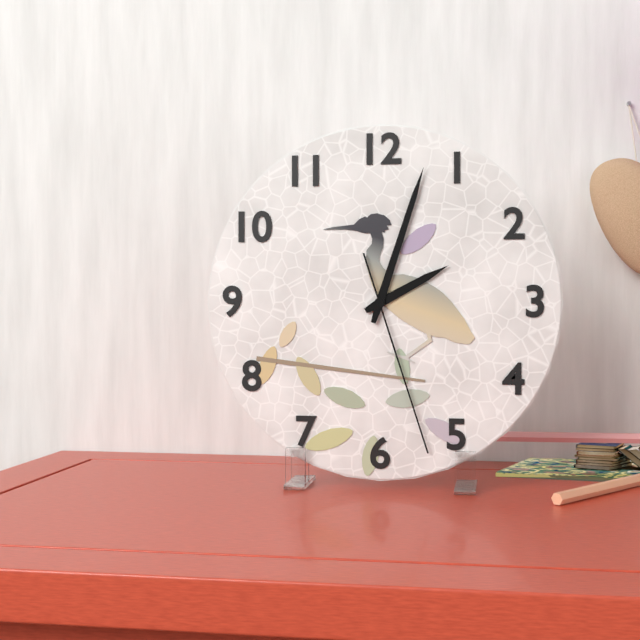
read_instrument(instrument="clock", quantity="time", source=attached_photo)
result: 2:03:27
